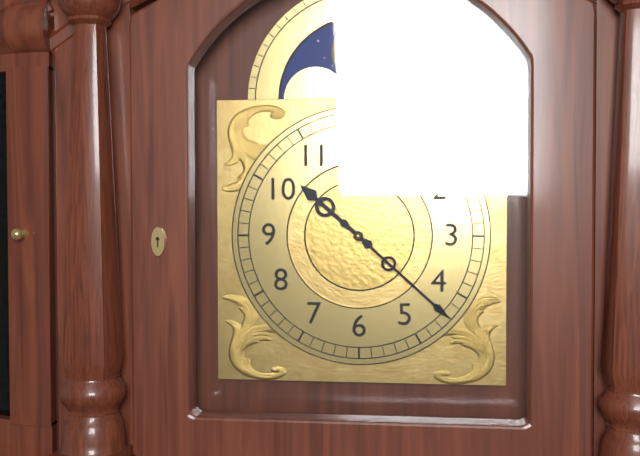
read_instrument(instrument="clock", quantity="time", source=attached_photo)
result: 10:22
